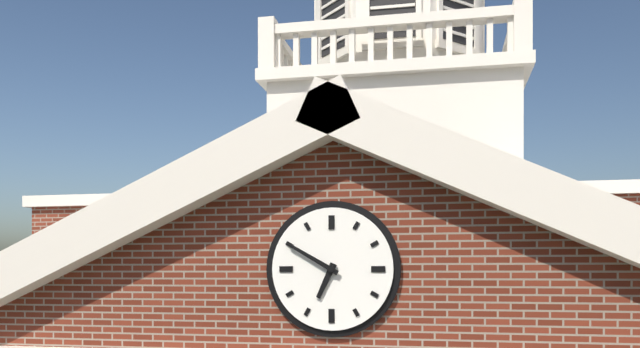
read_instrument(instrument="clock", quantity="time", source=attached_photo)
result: 6:50
